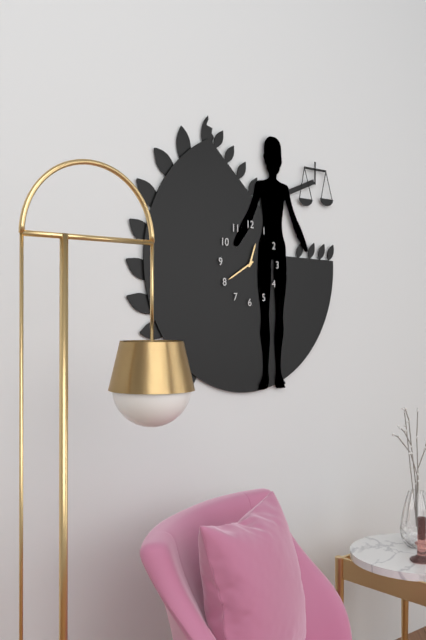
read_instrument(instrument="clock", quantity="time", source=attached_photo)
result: 12:40
